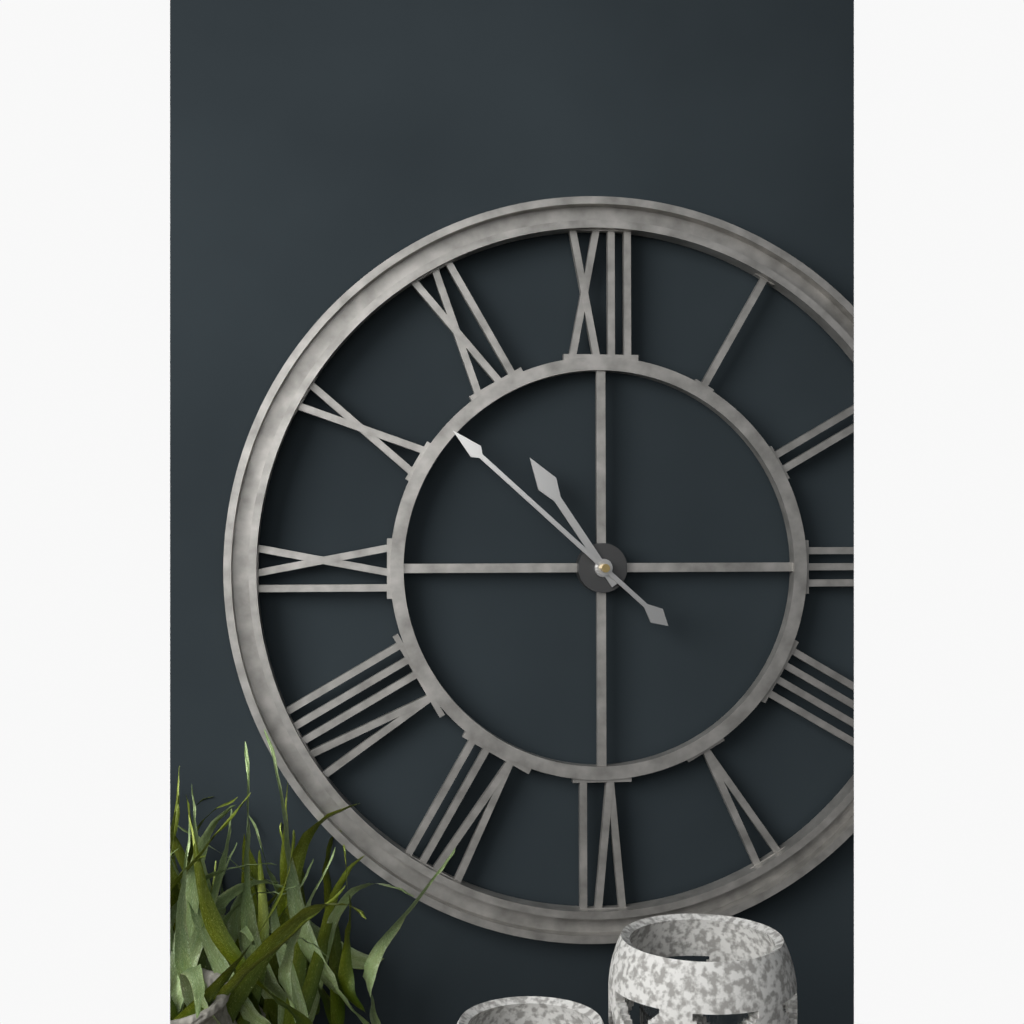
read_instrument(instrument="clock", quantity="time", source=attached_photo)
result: 10:52
